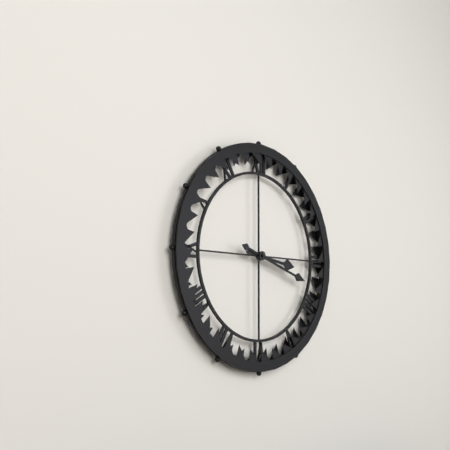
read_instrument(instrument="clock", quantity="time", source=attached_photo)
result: 3:18
